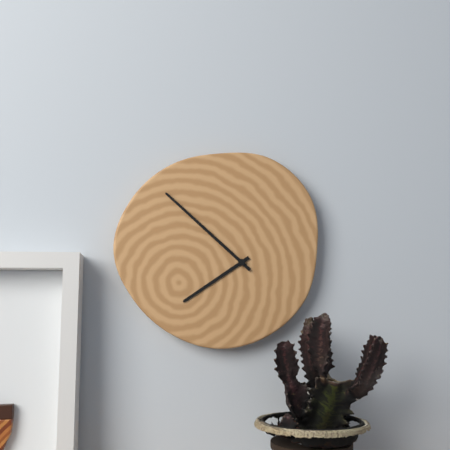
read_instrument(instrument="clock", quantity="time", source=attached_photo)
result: 7:52
